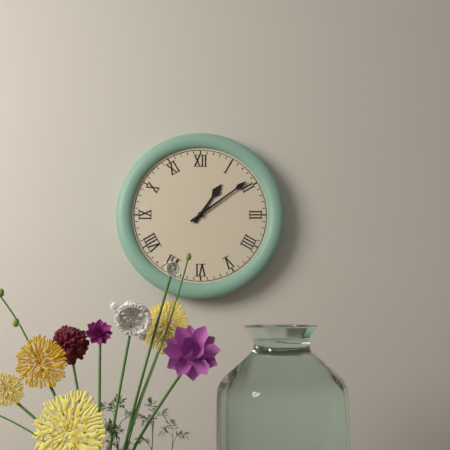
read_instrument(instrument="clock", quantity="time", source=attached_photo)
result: 1:09
